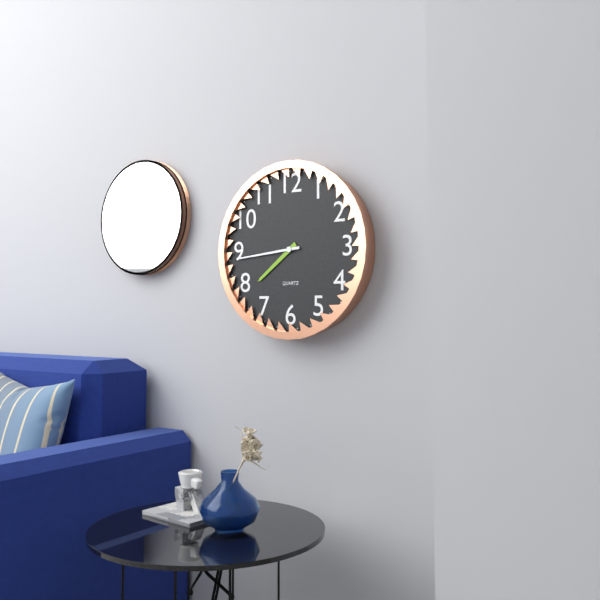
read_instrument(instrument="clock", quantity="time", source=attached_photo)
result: 7:44
